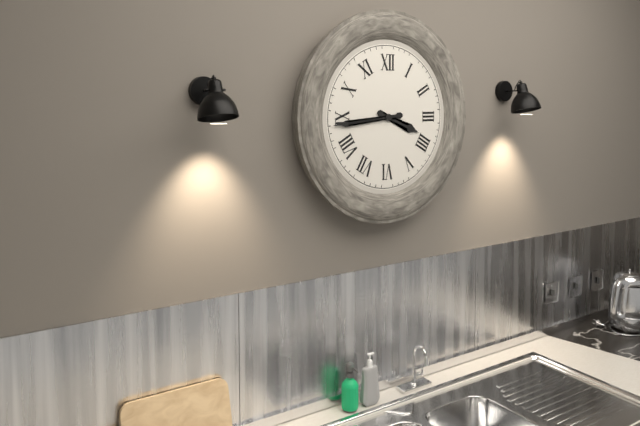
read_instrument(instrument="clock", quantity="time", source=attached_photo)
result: 3:44
